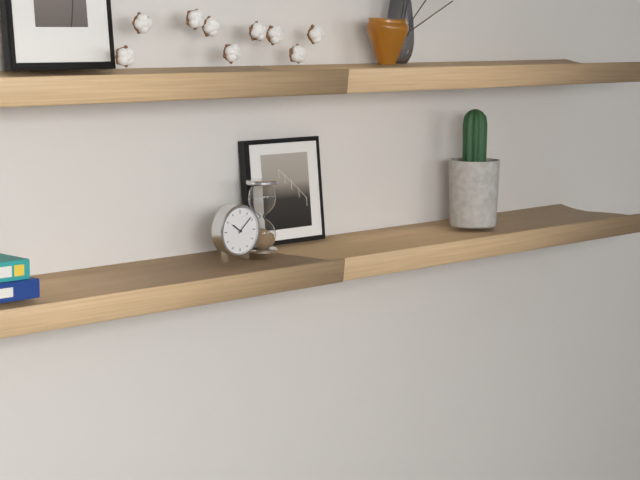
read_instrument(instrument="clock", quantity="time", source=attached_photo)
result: 10:08
